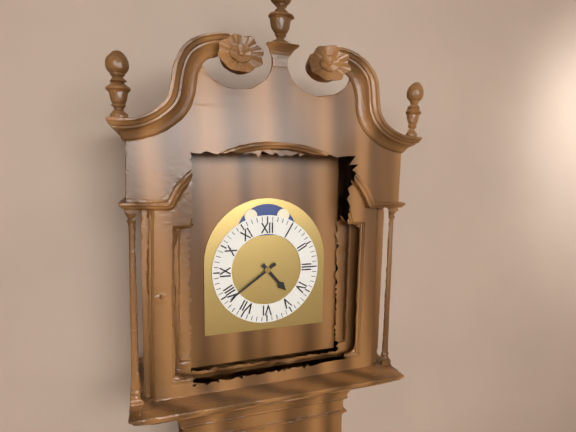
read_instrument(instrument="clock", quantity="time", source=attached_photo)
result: 4:39
